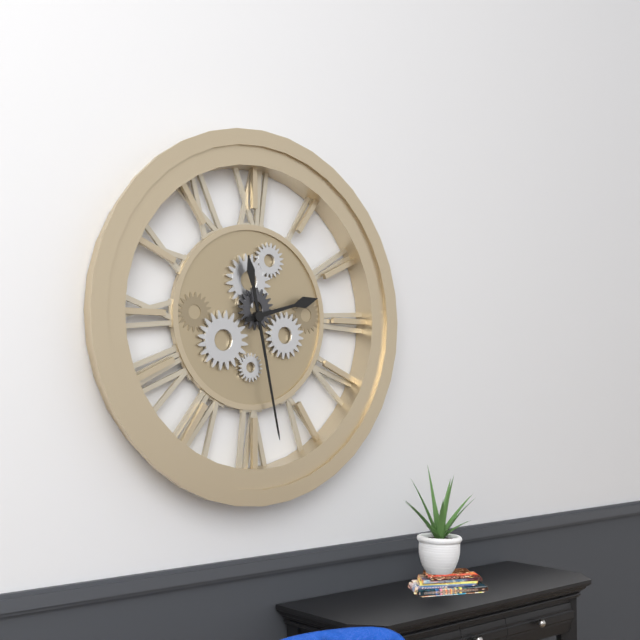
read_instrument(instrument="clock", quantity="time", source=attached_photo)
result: 2:28
